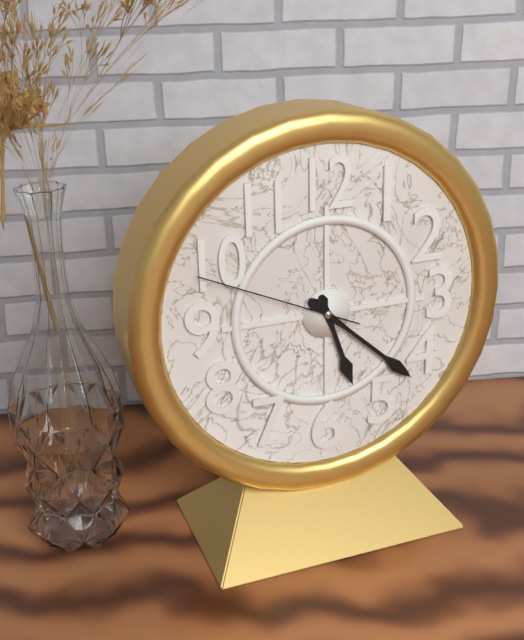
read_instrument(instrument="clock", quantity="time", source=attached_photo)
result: 5:22:49
